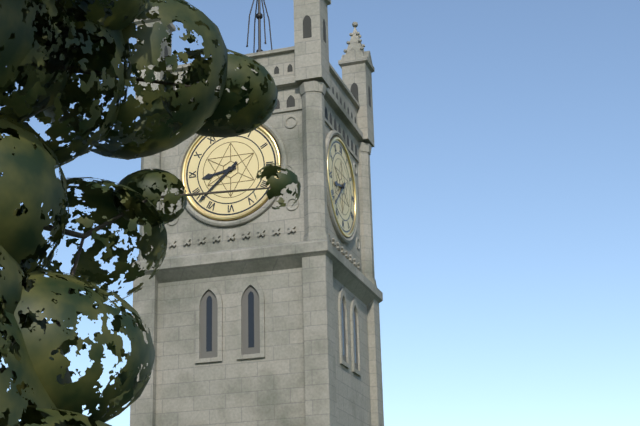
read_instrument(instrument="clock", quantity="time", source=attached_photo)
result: 8:38
